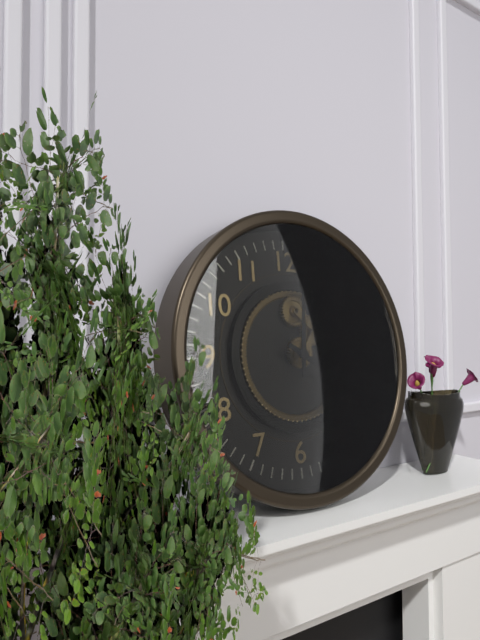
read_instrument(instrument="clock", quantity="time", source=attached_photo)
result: 4:01
